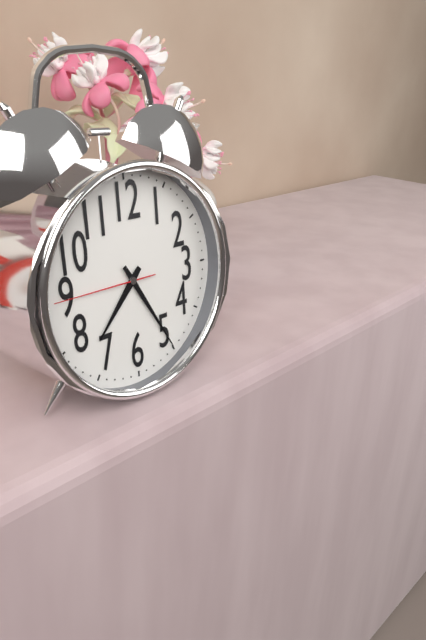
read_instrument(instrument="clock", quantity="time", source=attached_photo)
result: 7:25:45
